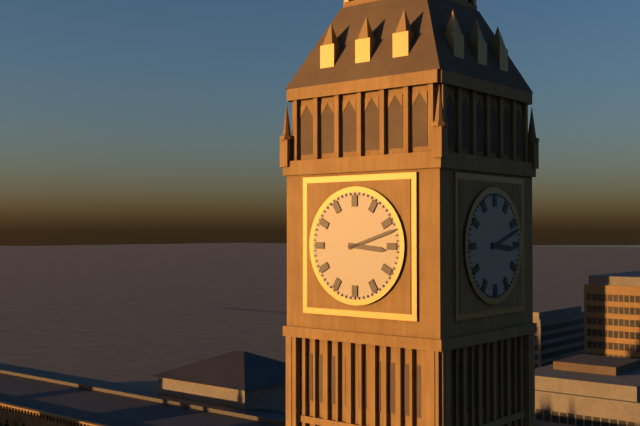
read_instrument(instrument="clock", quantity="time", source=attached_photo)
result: 3:12
